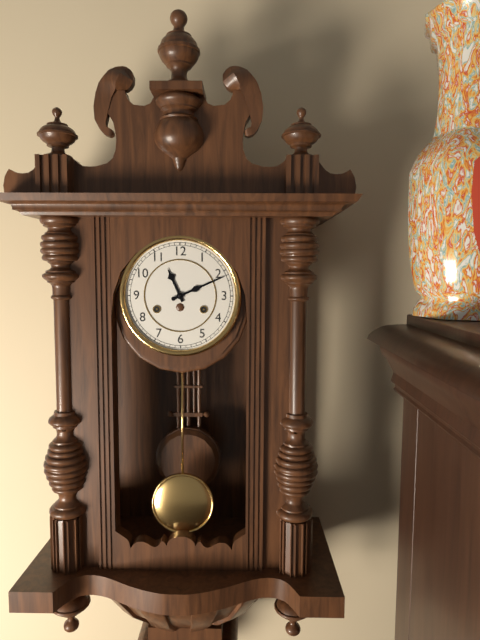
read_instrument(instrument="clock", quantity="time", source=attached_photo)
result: 11:11
